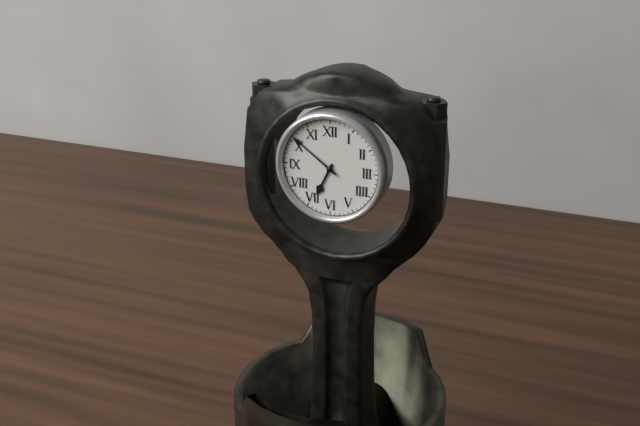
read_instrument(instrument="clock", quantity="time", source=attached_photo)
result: 6:51
